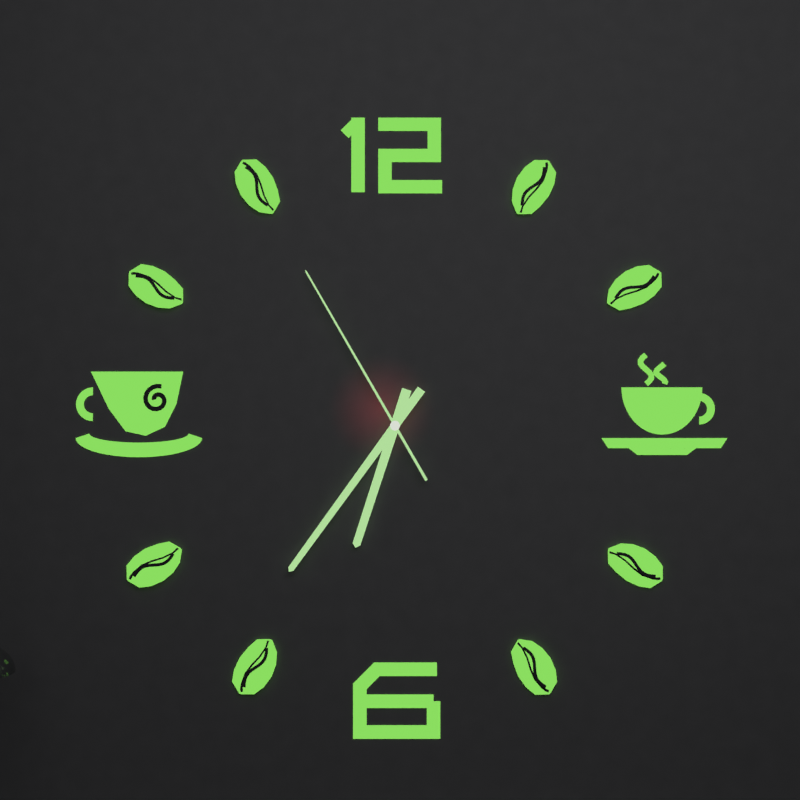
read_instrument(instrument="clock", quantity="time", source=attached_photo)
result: 6:36:55
